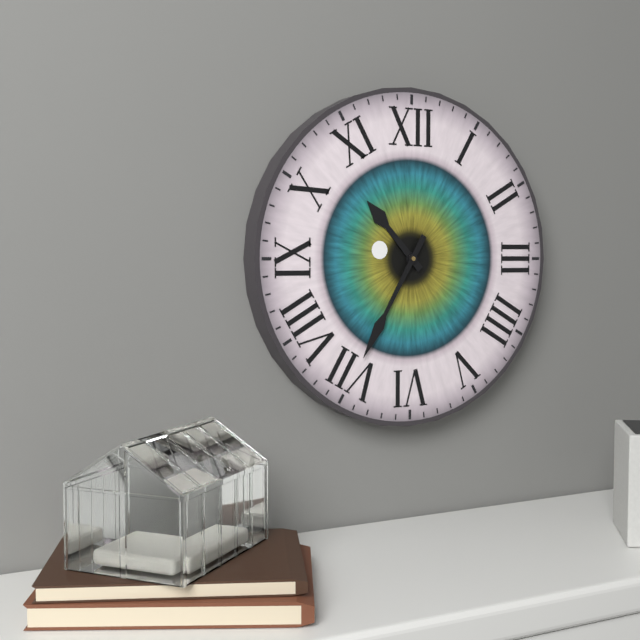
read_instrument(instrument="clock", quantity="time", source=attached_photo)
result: 10:35
